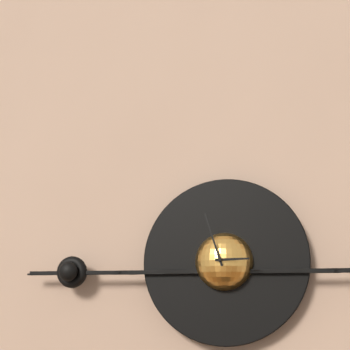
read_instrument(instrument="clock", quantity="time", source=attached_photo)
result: 2:57
